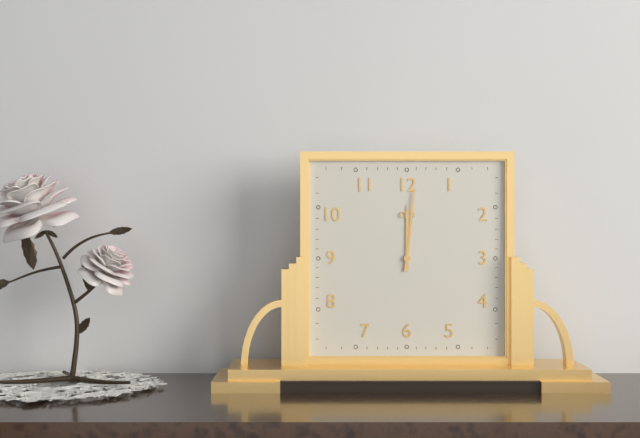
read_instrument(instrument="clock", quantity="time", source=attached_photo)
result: 12:01
